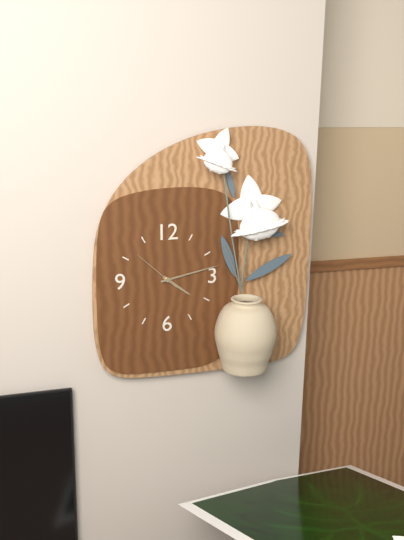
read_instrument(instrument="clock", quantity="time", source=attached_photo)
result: 4:13
